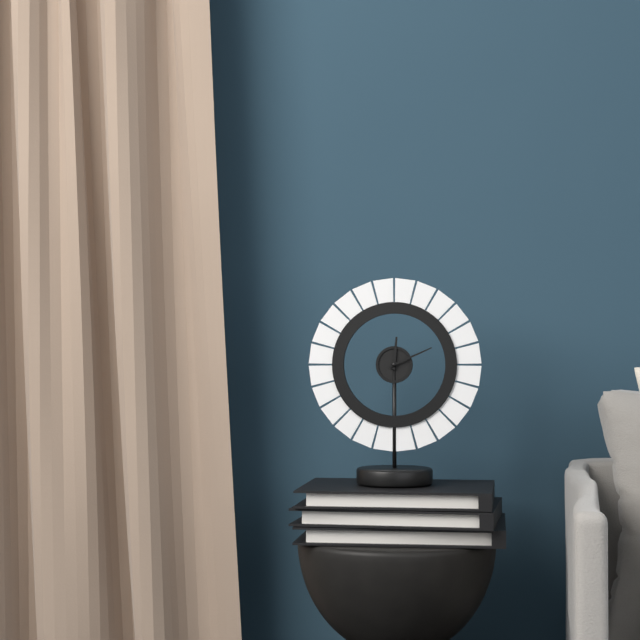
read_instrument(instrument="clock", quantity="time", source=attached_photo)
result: 12:11
